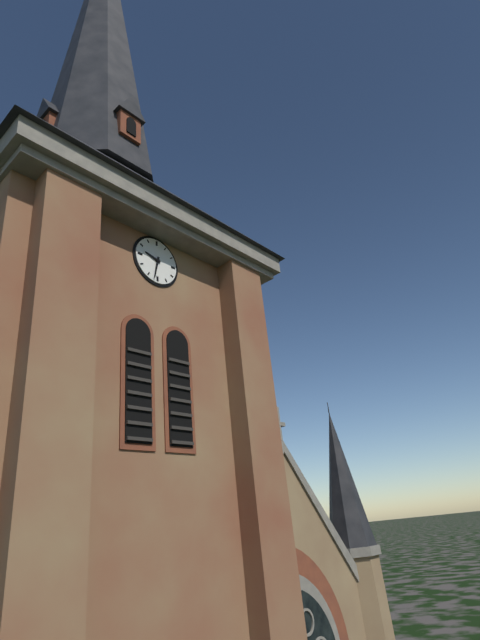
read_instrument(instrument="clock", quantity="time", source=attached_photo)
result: 9:32
